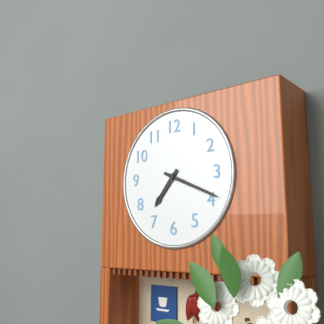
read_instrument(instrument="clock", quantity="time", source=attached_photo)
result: 7:19
